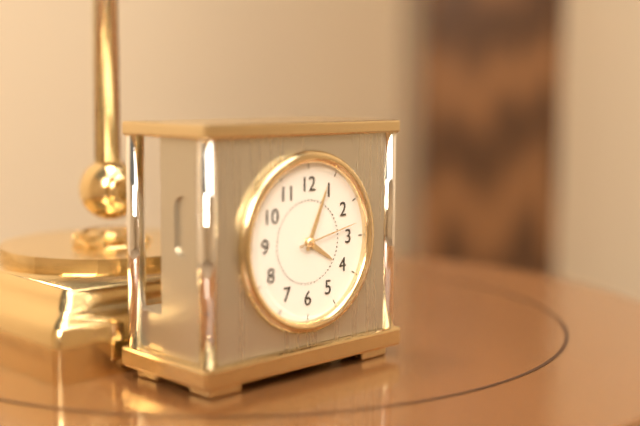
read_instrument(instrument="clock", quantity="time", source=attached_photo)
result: 4:04:13
